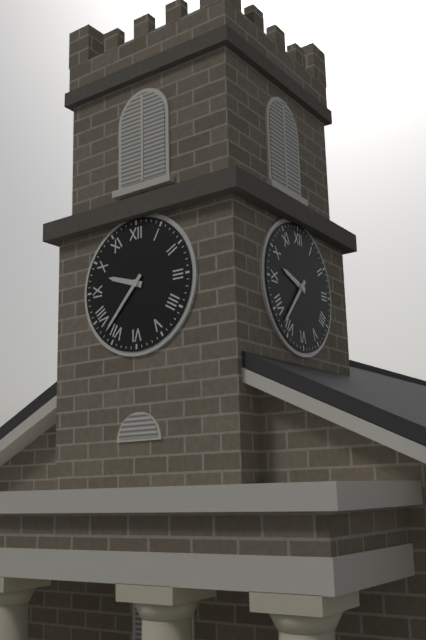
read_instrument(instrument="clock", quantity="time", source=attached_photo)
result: 9:37
